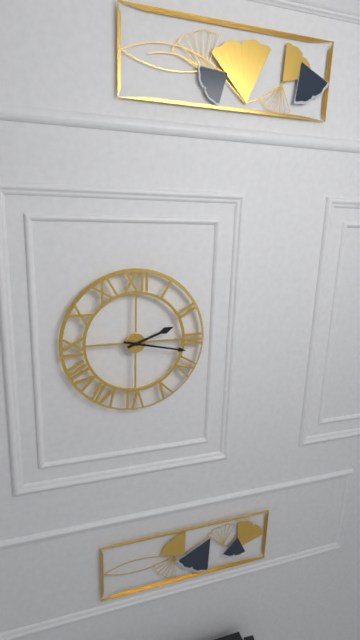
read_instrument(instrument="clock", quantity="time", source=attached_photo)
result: 2:17
